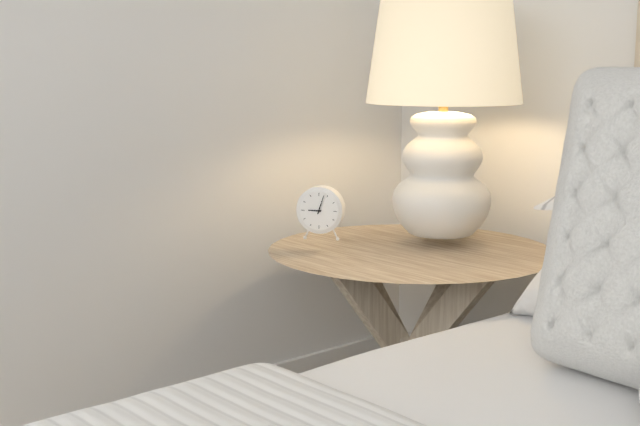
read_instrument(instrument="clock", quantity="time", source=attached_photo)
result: 9:03
